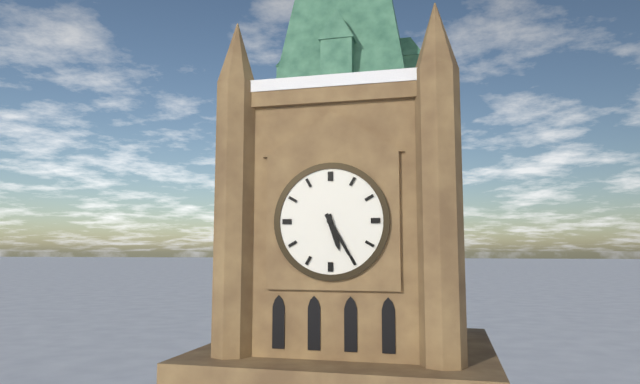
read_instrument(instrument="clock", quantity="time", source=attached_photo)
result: 5:25
